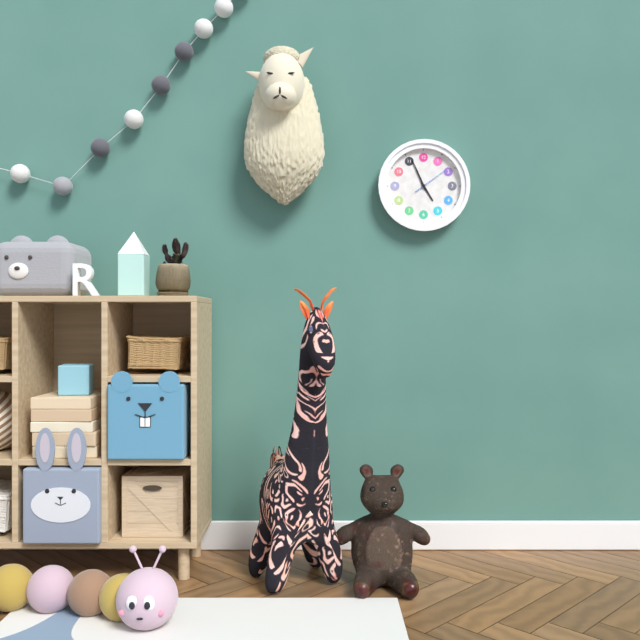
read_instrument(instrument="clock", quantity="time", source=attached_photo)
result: 4:56
